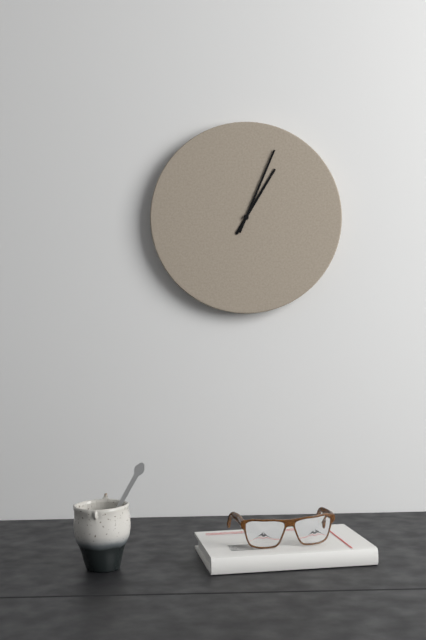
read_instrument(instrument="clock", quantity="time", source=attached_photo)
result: 1:04
